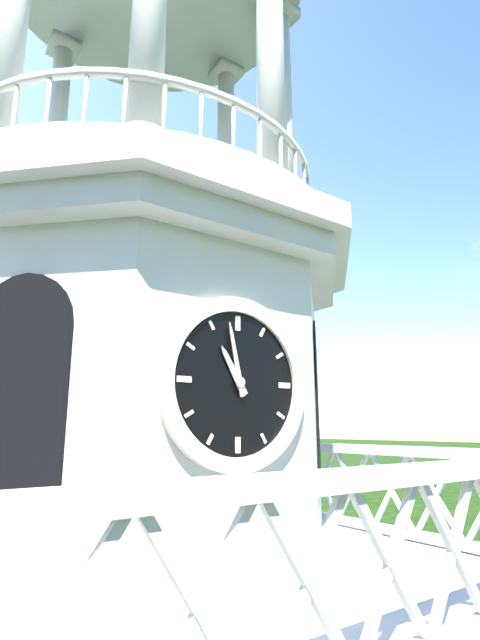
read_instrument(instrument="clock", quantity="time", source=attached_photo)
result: 10:58
